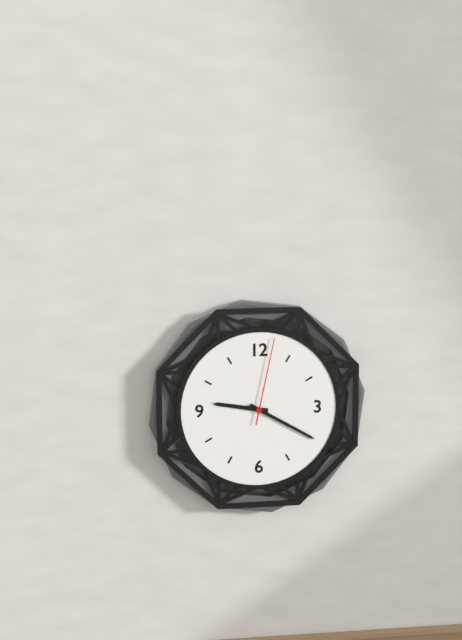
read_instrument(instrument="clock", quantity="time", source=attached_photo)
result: 9:20:02
